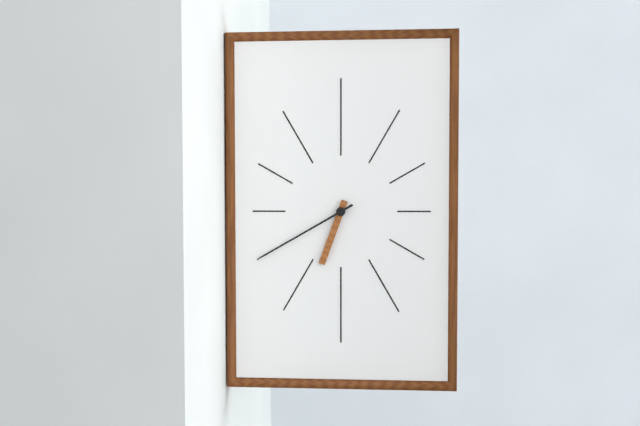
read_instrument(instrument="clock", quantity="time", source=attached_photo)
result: 6:40
